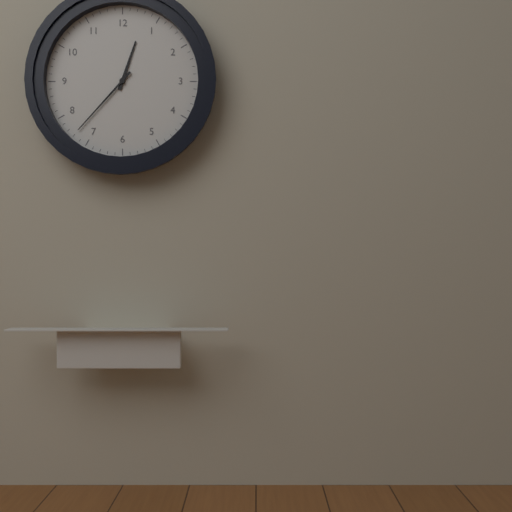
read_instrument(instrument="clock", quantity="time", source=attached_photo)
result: 12:37
